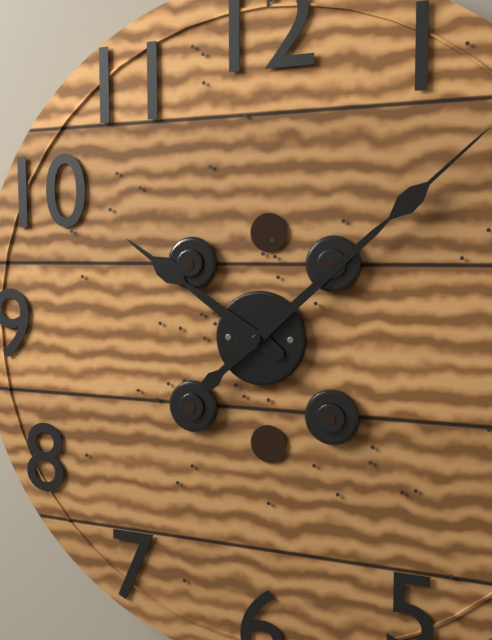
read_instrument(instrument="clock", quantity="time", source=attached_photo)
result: 10:08
